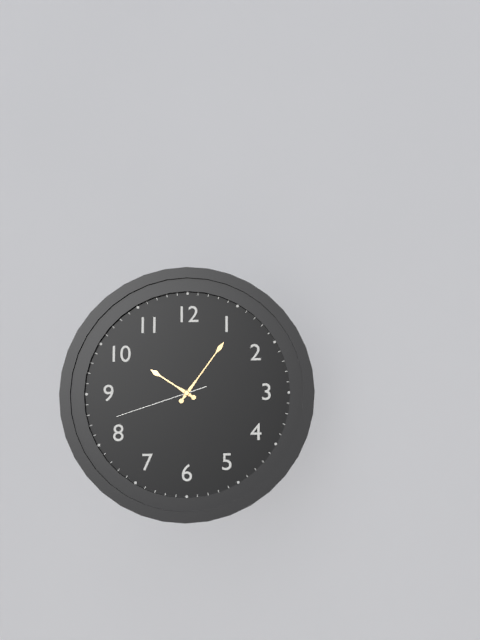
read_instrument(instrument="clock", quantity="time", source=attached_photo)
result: 10:06:42
